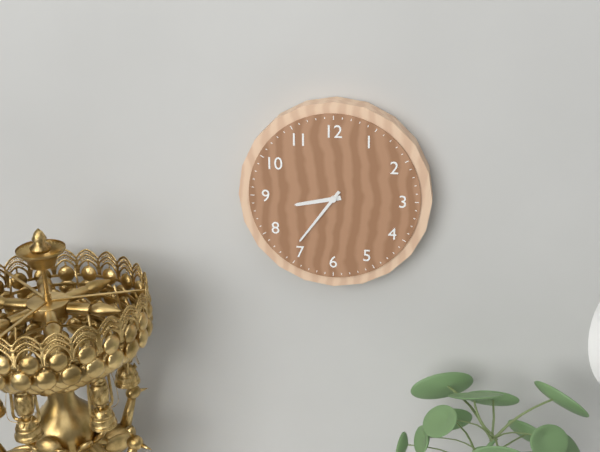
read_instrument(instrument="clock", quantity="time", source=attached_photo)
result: 8:36
